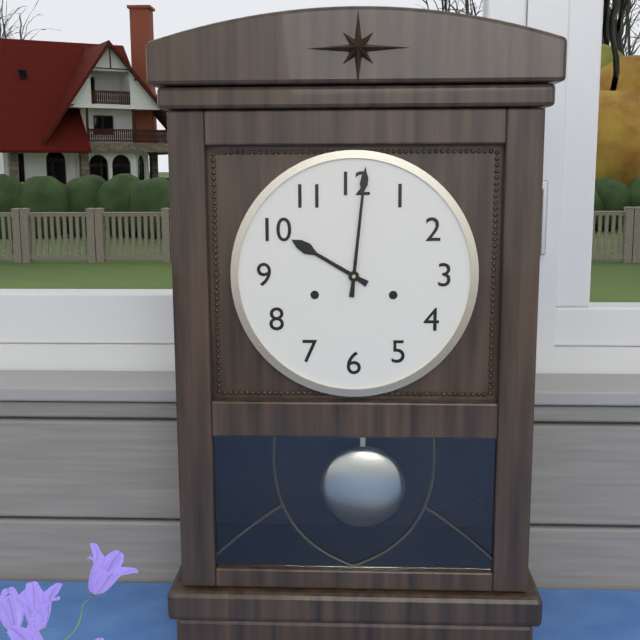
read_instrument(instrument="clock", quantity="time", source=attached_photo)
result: 10:01
